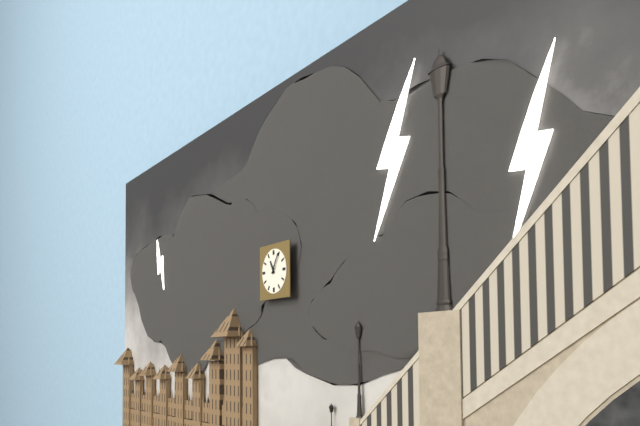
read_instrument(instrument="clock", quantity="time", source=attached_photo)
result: 11:05
